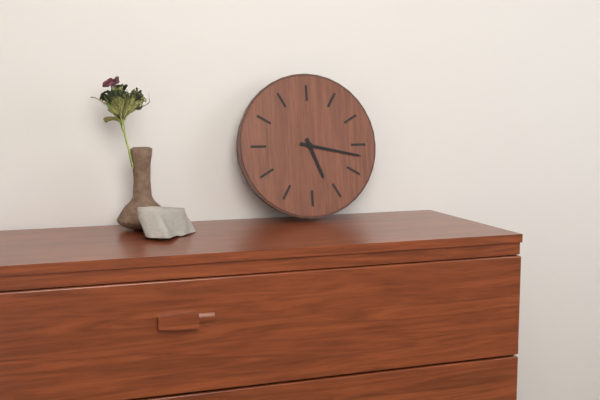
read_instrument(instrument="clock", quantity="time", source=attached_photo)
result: 5:17
